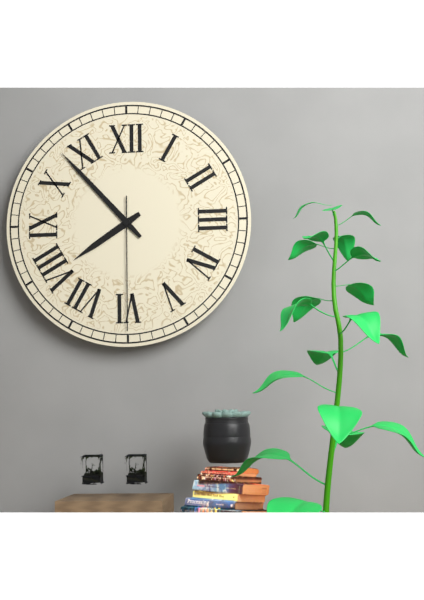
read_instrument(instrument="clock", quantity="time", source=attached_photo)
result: 7:53:30
